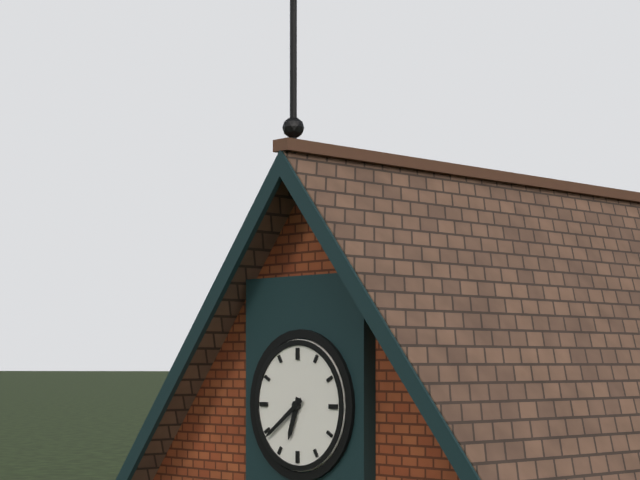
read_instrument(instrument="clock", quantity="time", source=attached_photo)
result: 6:39
